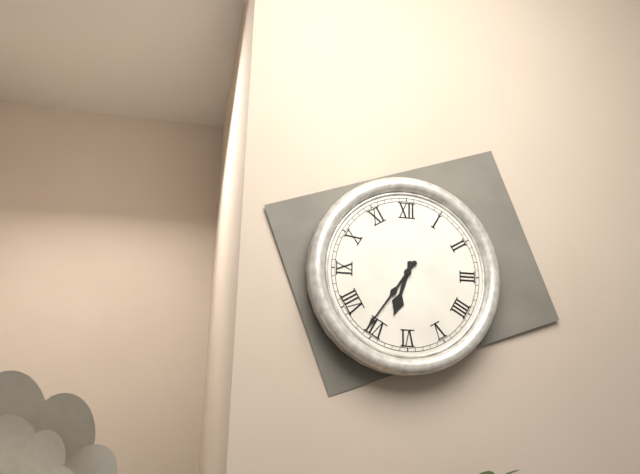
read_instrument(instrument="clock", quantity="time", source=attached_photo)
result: 6:36
